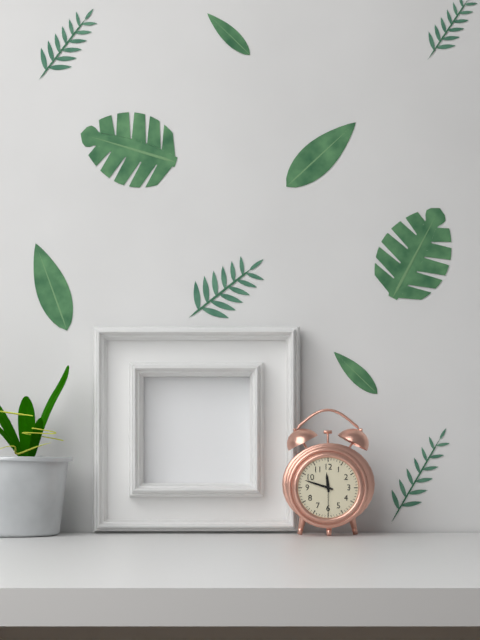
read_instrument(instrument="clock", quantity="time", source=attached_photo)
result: 11:48
